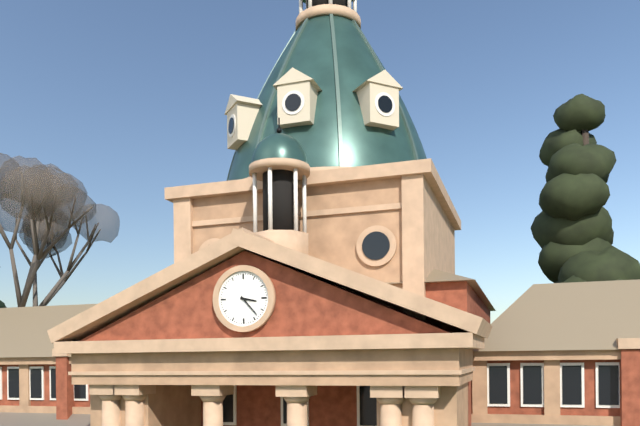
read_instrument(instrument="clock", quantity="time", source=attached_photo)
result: 3:23
